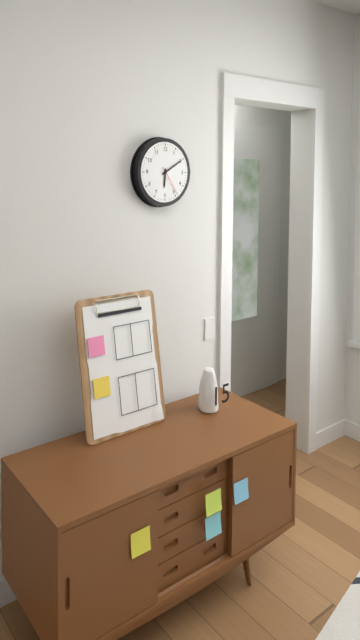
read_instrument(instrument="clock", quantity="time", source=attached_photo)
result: 6:10
